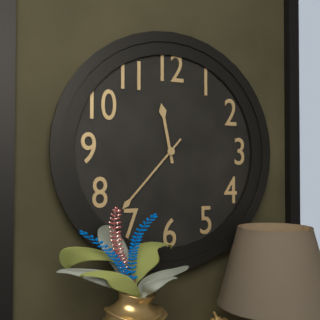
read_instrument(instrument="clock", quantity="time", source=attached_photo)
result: 11:37
